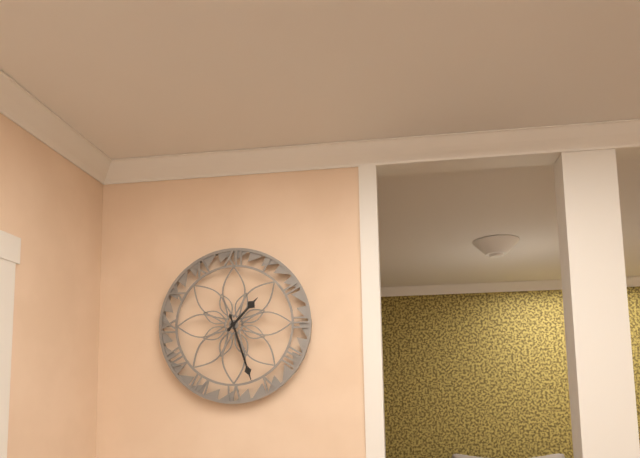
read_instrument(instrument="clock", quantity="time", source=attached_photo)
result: 1:27
